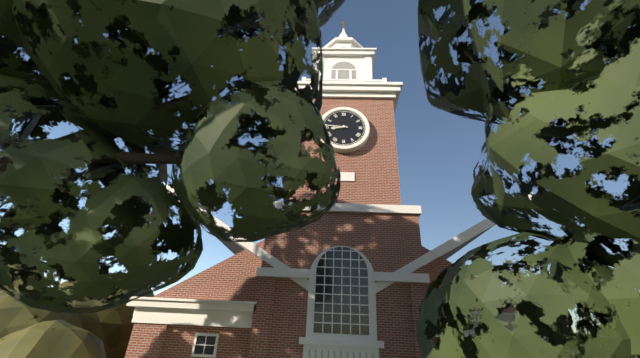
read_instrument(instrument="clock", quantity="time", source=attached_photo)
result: 8:46
